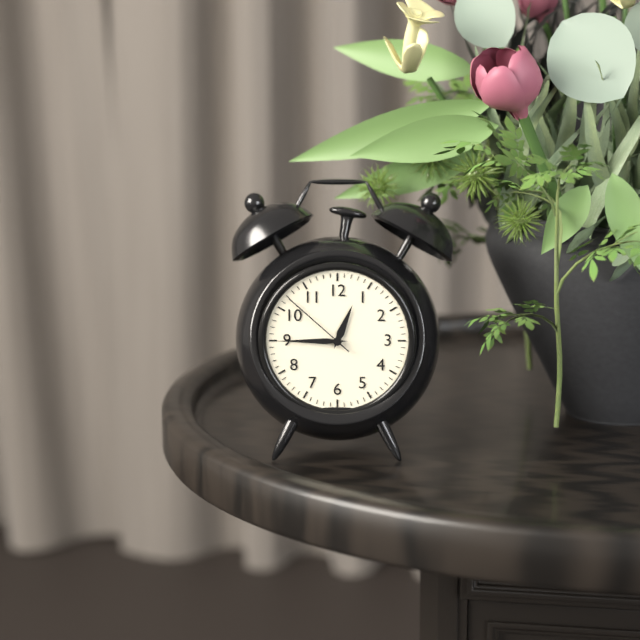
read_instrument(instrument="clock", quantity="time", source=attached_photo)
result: 12:45:52
